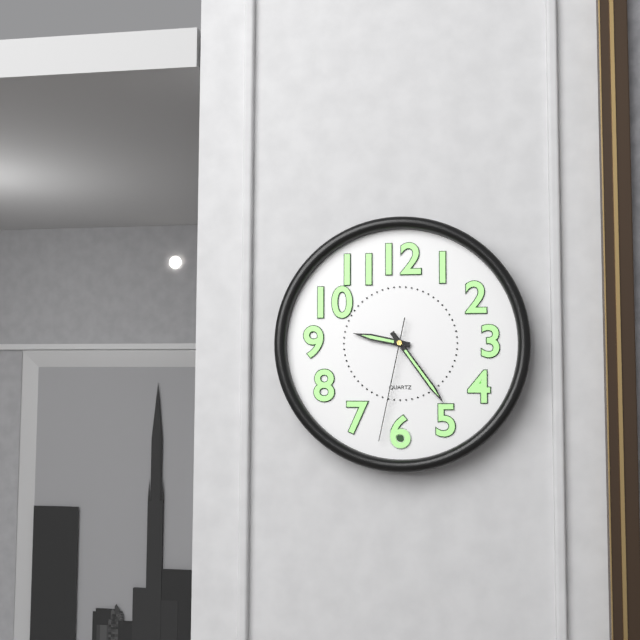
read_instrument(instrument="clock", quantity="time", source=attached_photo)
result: 9:24:32
